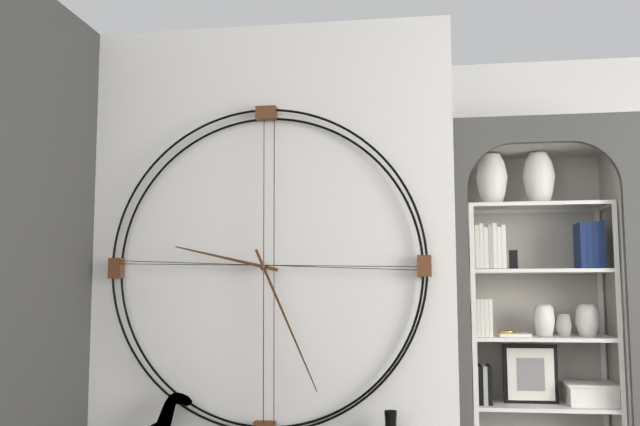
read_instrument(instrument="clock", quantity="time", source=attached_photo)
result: 9:26
